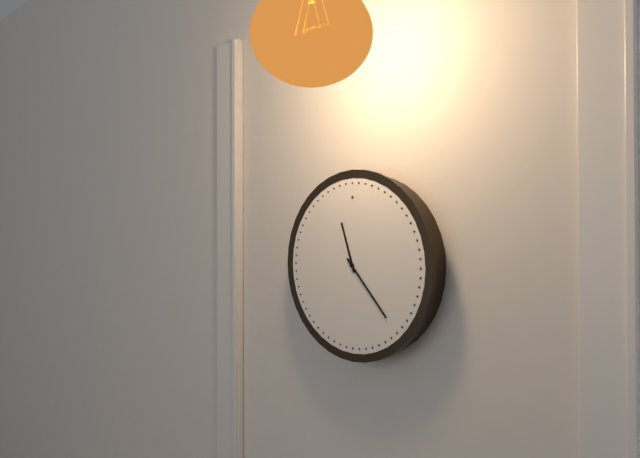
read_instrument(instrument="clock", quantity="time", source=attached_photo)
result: 11:23
